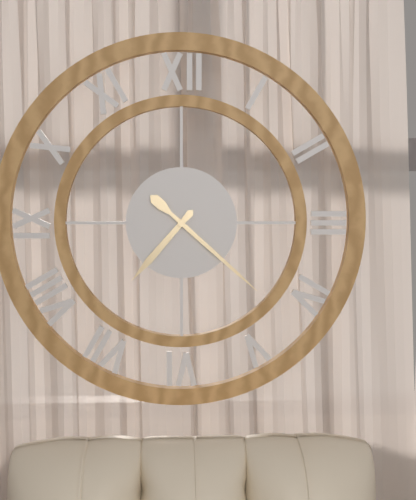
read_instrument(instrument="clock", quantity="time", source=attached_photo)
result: 7:22
